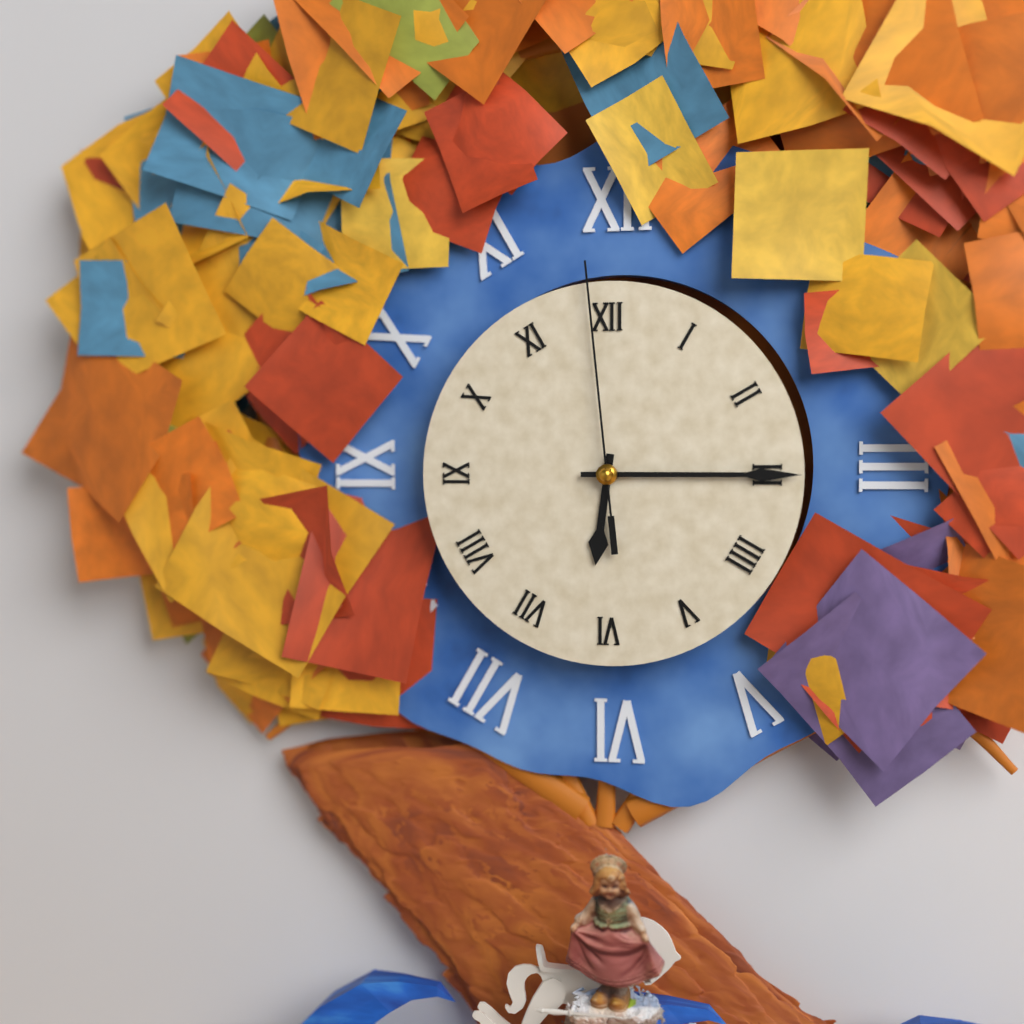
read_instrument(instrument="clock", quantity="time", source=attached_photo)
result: 6:15:59
